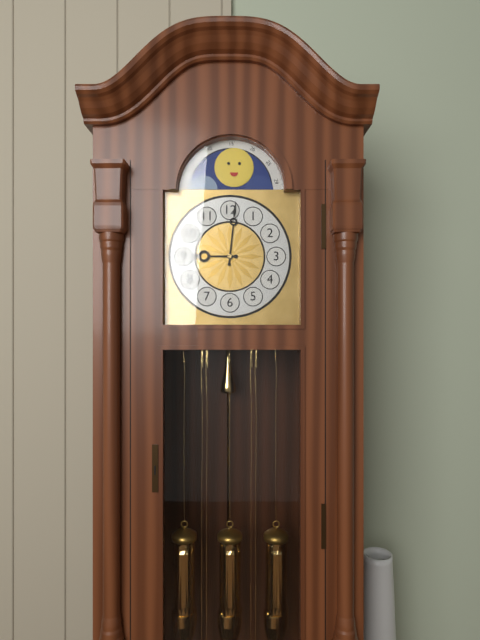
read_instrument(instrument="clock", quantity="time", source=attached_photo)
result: 9:01
